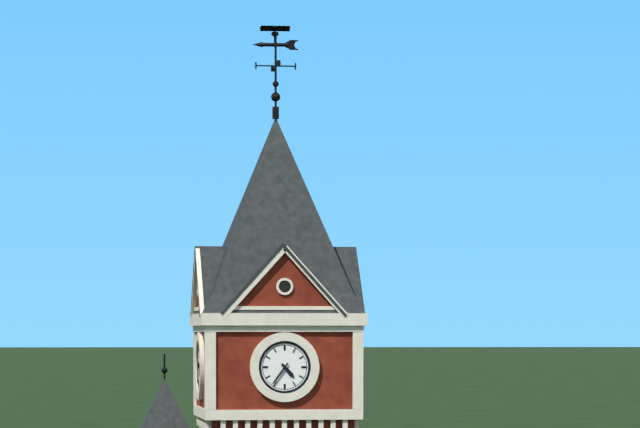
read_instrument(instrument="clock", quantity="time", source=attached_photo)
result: 4:36
